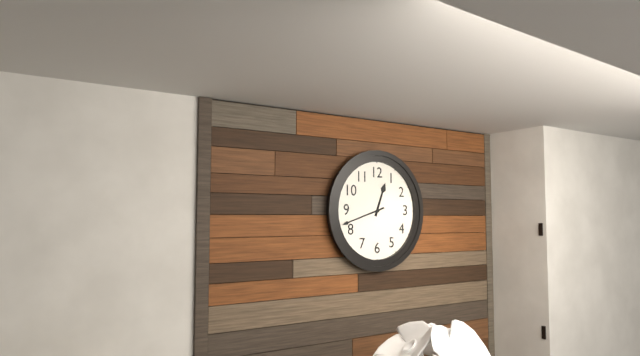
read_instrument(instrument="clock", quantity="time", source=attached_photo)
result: 12:42
